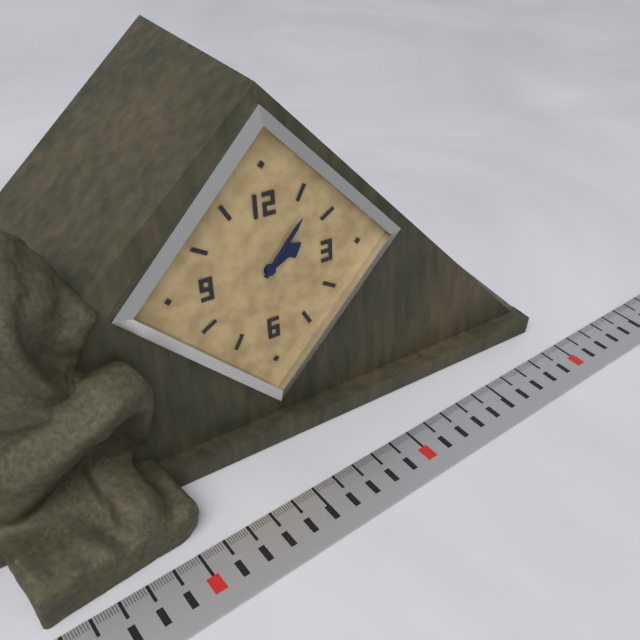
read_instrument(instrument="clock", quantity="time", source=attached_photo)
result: 2:07
